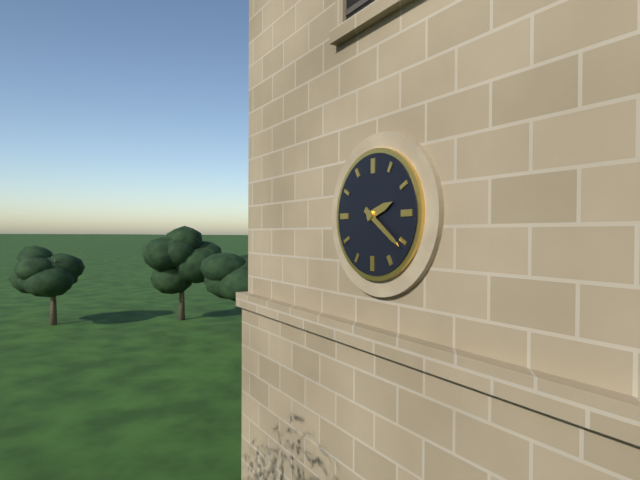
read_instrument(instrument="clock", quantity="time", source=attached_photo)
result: 2:21
